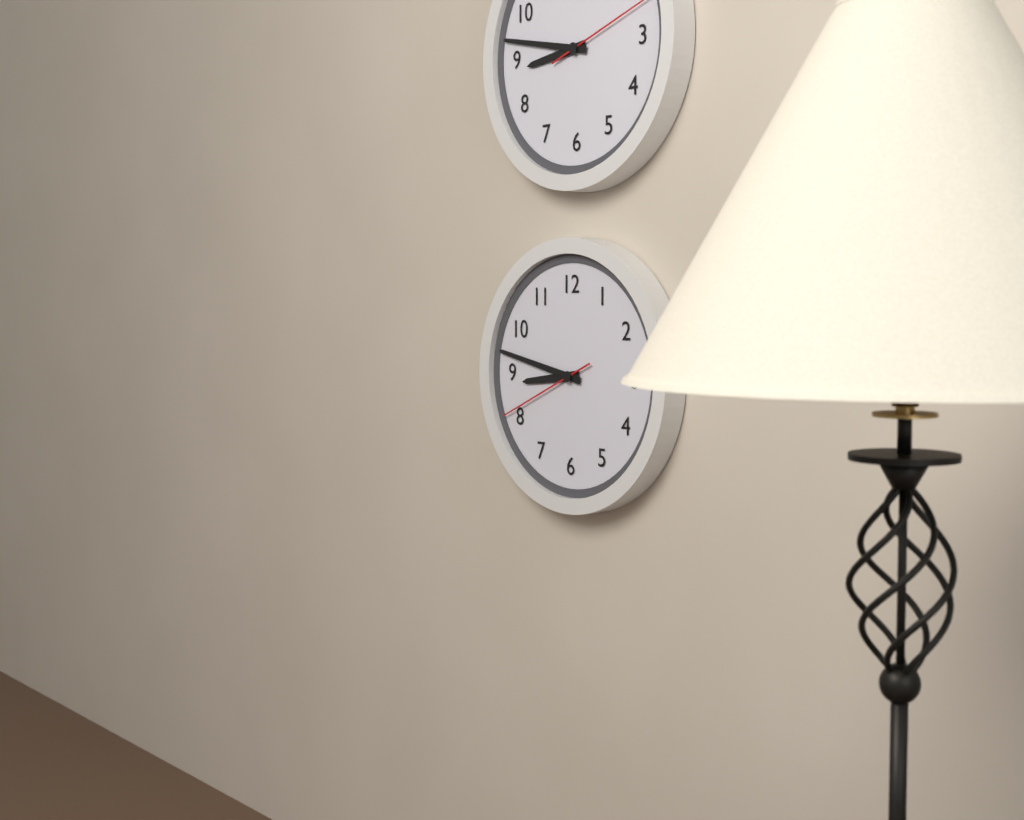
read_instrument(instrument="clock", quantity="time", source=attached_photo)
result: 8:47:41
